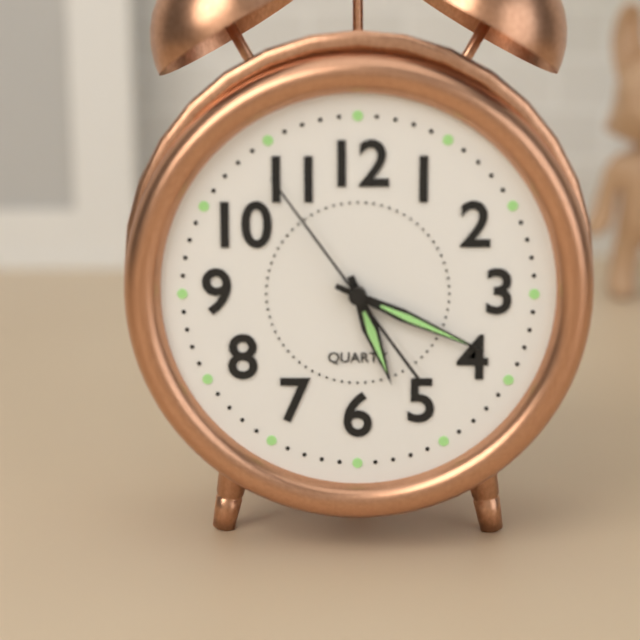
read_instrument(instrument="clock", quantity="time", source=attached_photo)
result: 5:19:54
